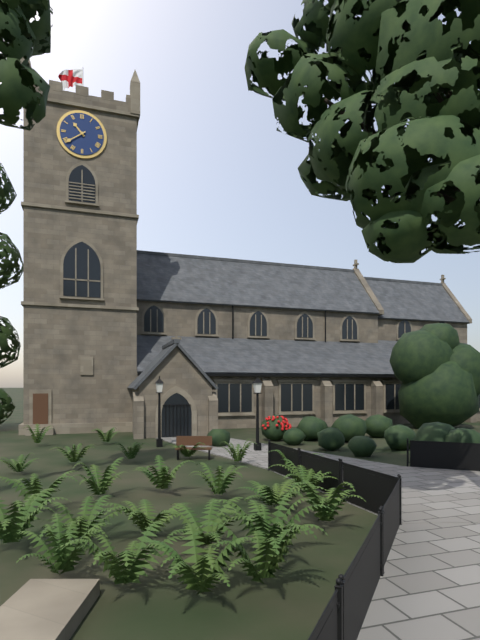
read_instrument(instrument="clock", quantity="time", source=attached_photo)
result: 10:39
